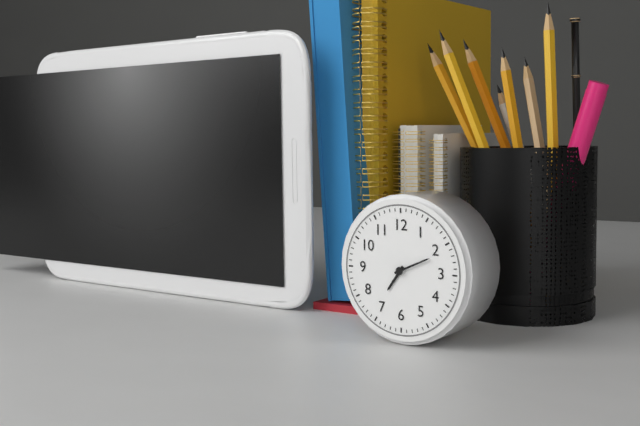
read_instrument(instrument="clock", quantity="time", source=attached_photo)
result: 7:11
